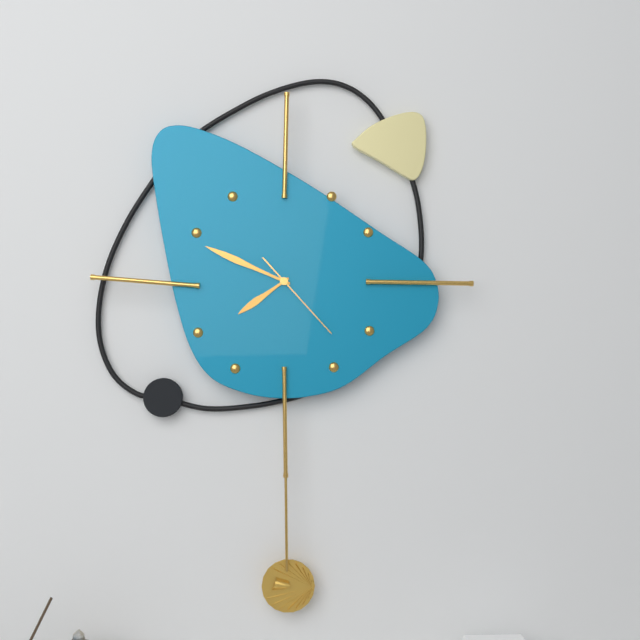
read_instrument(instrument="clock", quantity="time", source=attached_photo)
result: 7:49:23
